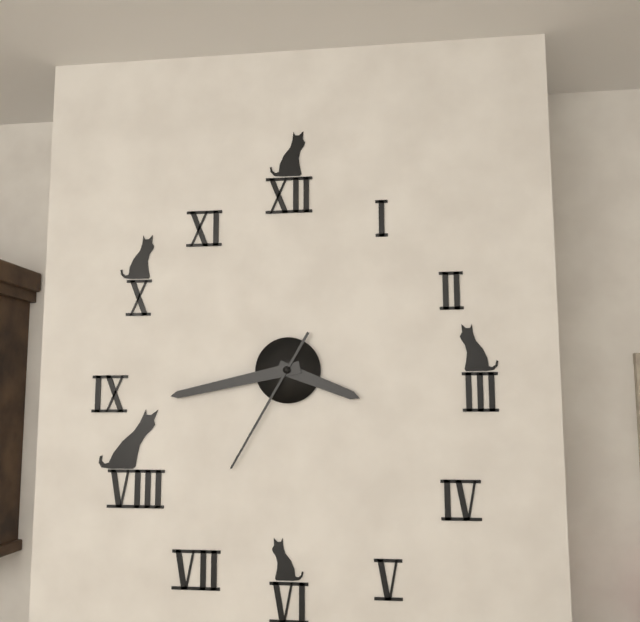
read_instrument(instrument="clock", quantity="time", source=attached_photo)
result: 3:43:35
